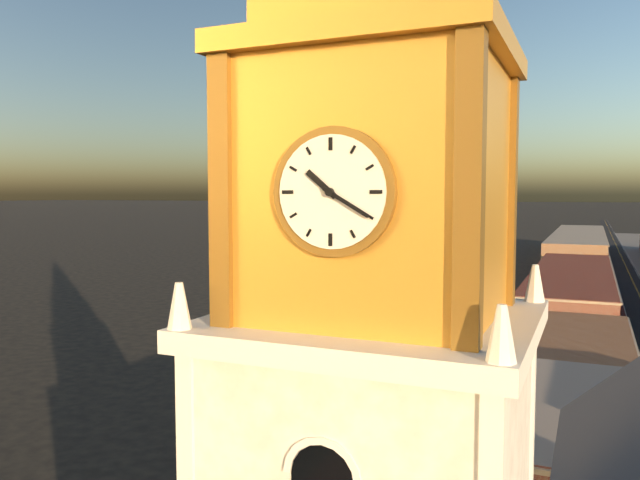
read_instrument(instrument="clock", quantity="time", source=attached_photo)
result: 10:20
